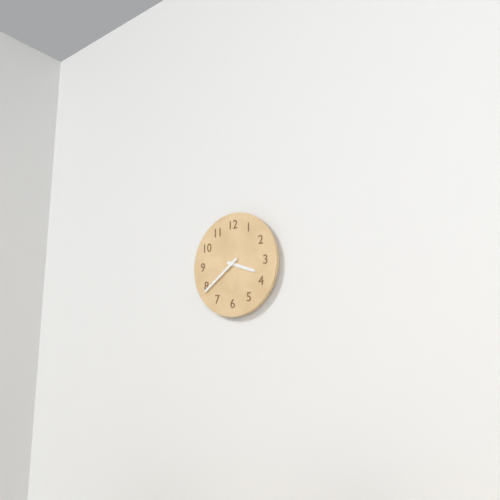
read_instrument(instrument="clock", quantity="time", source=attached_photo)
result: 3:39
